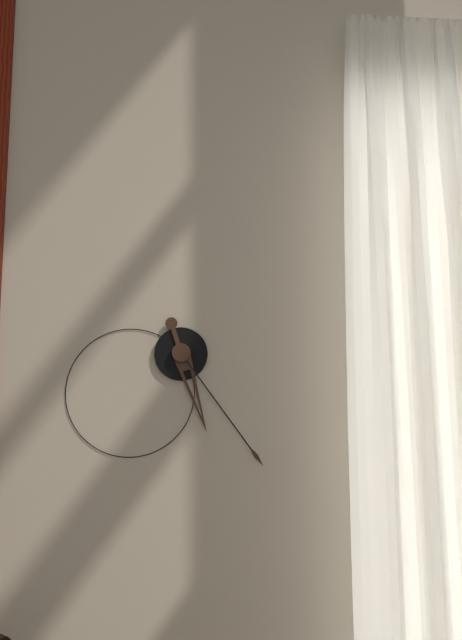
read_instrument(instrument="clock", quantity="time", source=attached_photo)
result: 5:24
